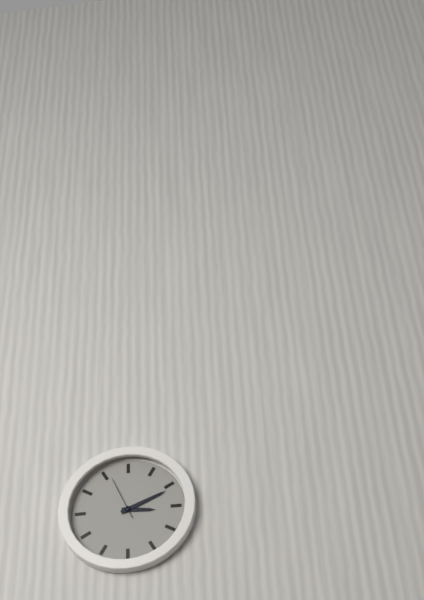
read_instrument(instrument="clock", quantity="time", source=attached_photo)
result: 3:11
